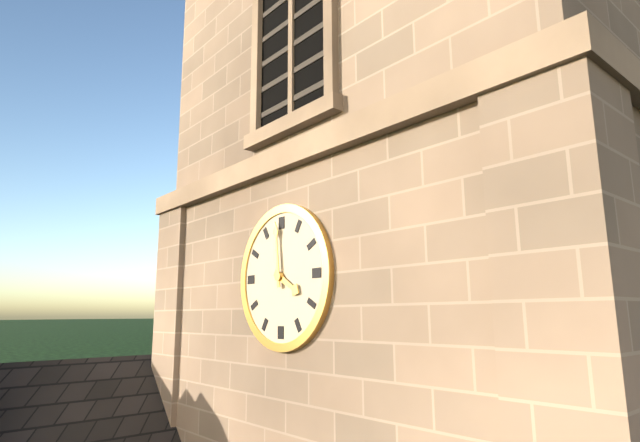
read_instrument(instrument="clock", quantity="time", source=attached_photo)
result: 3:59
